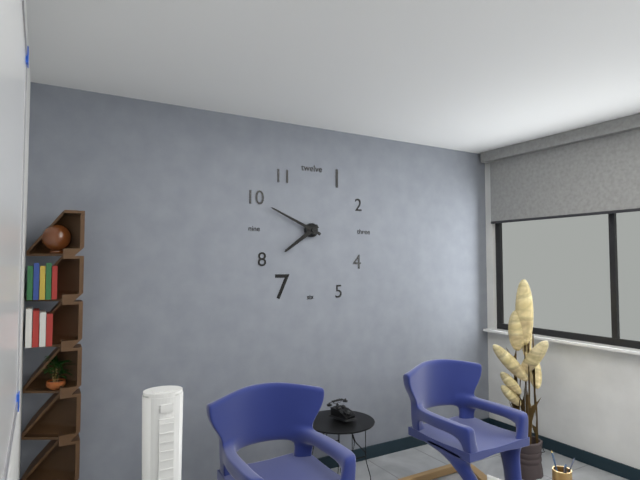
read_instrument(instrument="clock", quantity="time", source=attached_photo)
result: 7:49
